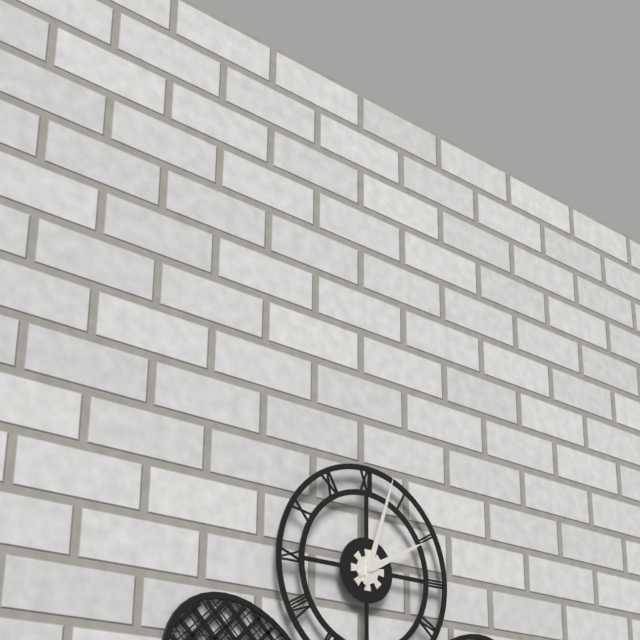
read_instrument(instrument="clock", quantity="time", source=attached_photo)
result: 2:03
